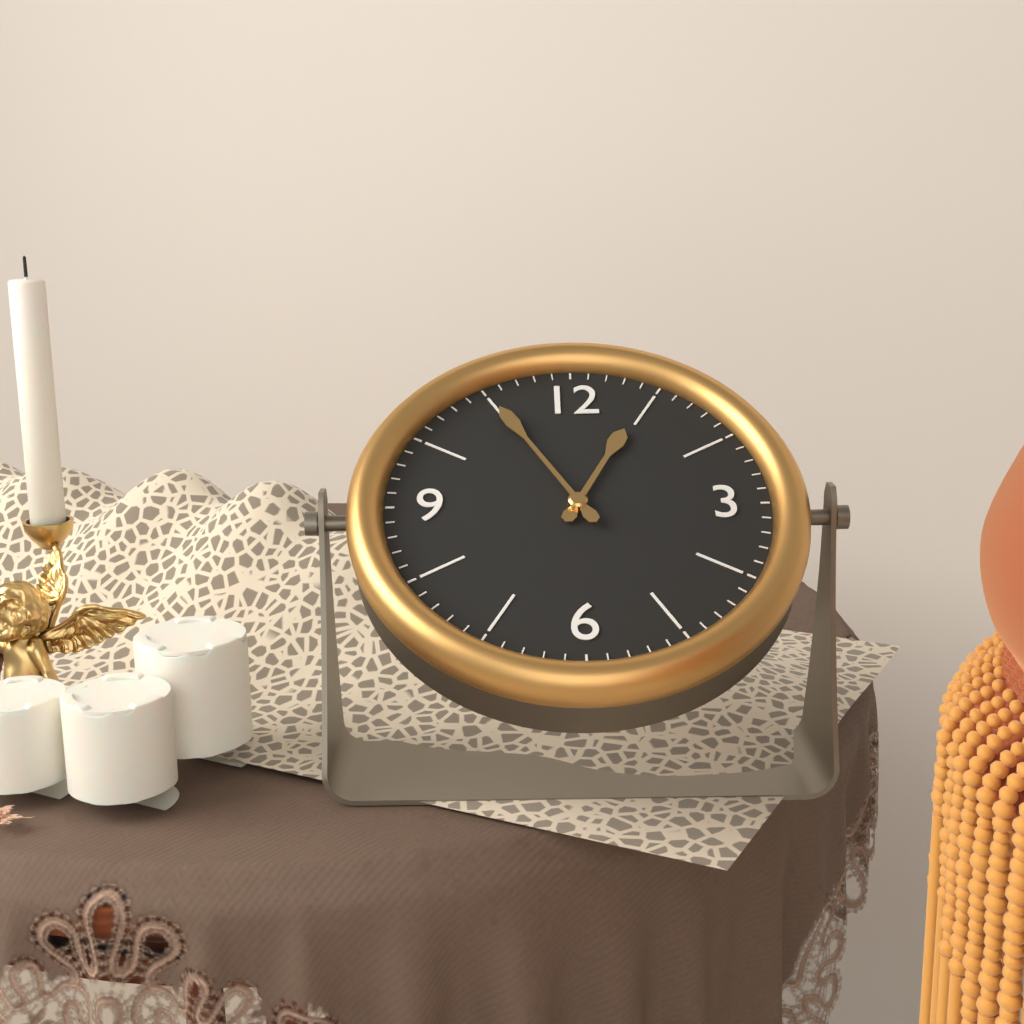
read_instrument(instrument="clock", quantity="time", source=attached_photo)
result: 12:55
